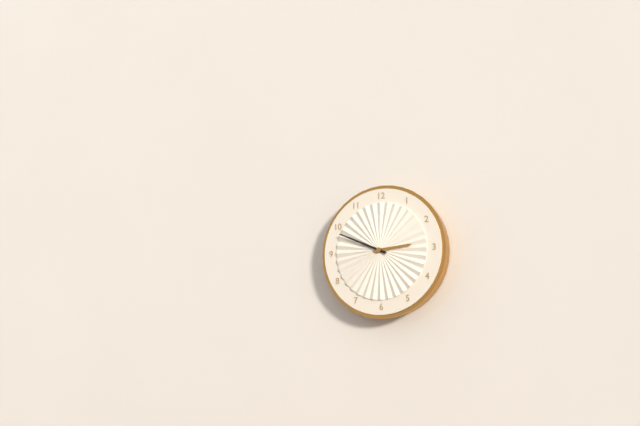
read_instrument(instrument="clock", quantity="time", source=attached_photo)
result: 2:49
